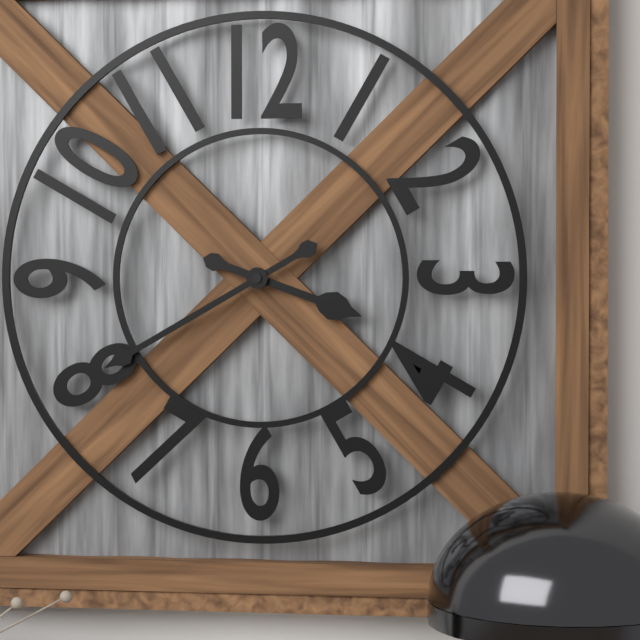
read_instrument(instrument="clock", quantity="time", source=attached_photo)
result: 3:40
